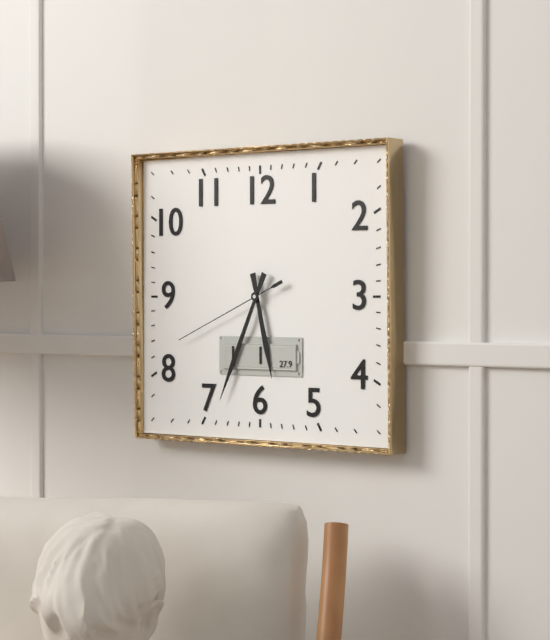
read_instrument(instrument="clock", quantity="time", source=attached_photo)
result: 5:34:41
